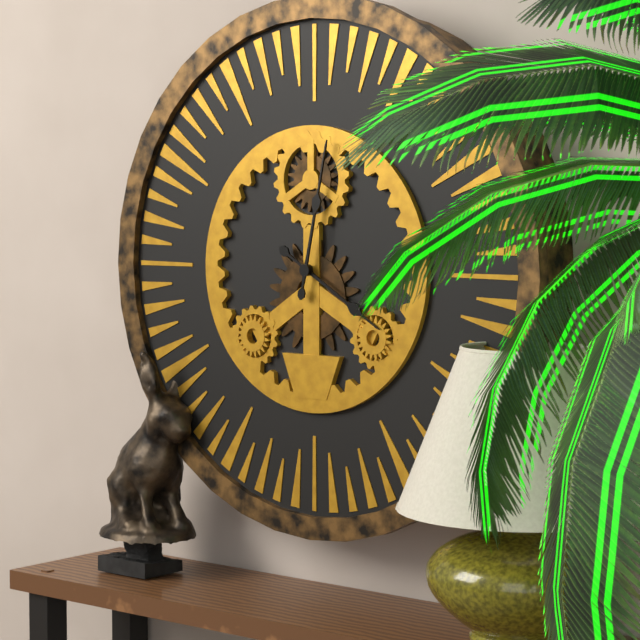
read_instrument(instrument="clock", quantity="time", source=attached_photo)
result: 4:02
